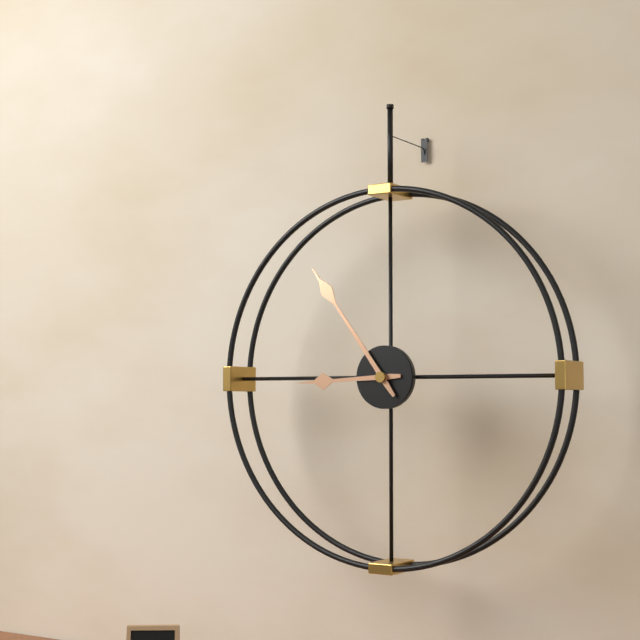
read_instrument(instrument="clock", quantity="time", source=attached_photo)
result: 8:54
